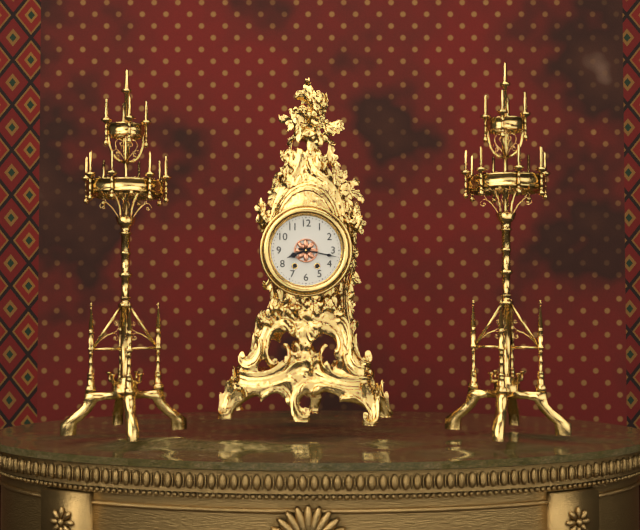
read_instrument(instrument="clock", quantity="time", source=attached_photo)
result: 8:17
